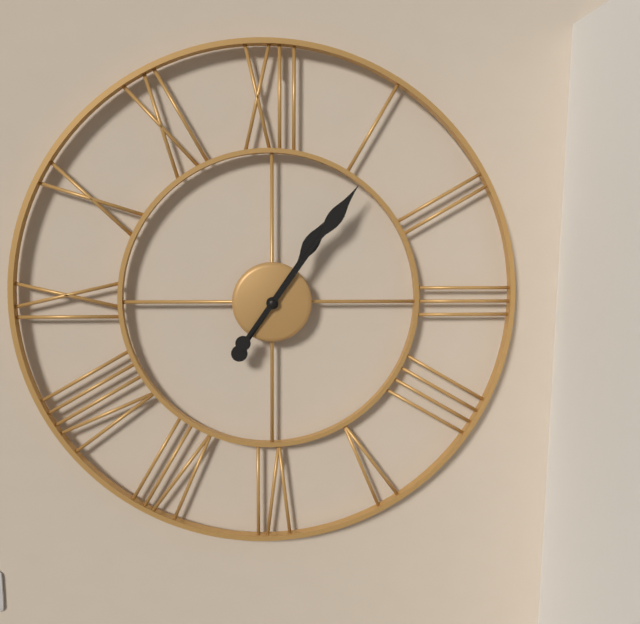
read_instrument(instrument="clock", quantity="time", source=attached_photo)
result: 1:06
